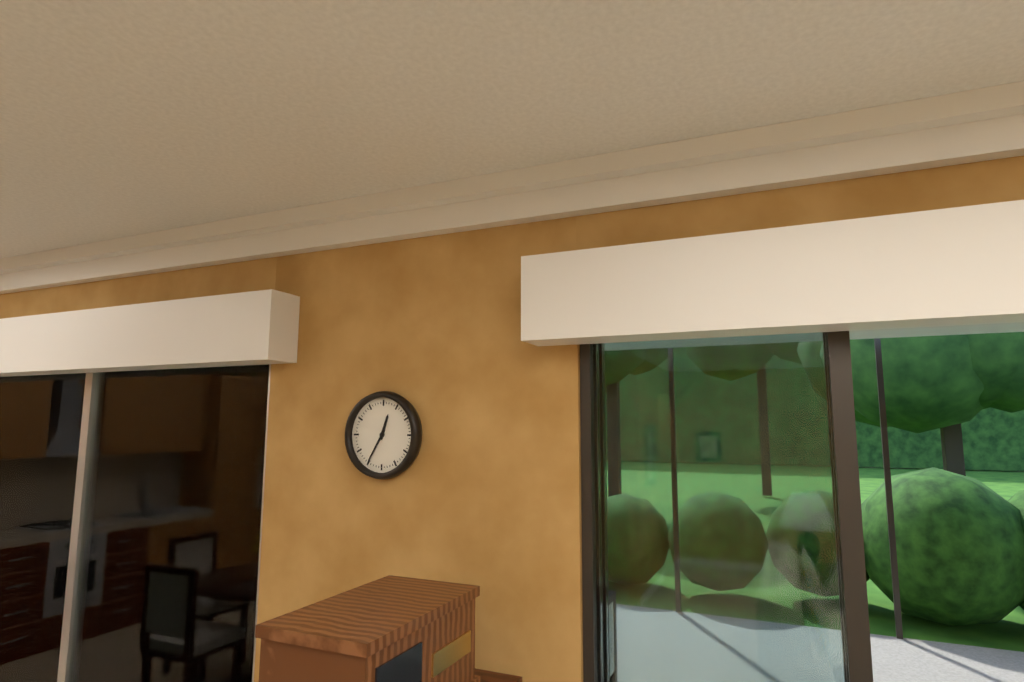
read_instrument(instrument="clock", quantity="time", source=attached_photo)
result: 12:35
